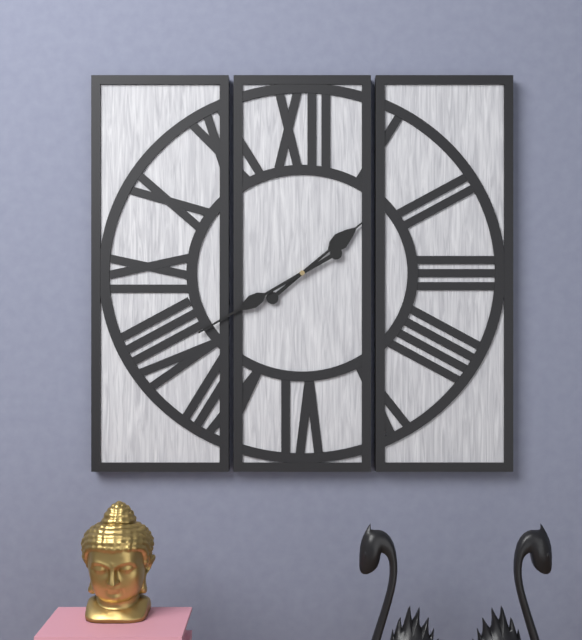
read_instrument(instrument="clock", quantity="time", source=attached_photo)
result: 1:40
